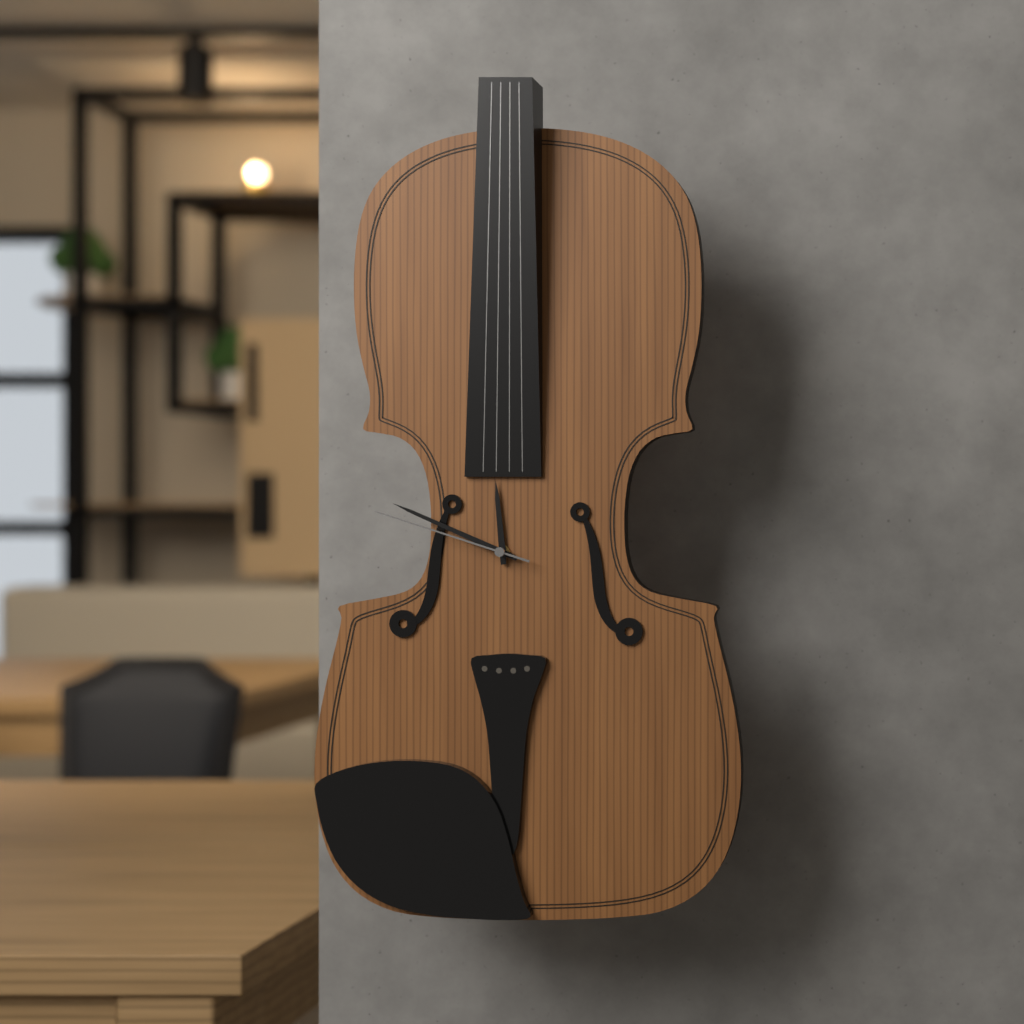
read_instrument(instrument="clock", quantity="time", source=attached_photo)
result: 11:49:48
